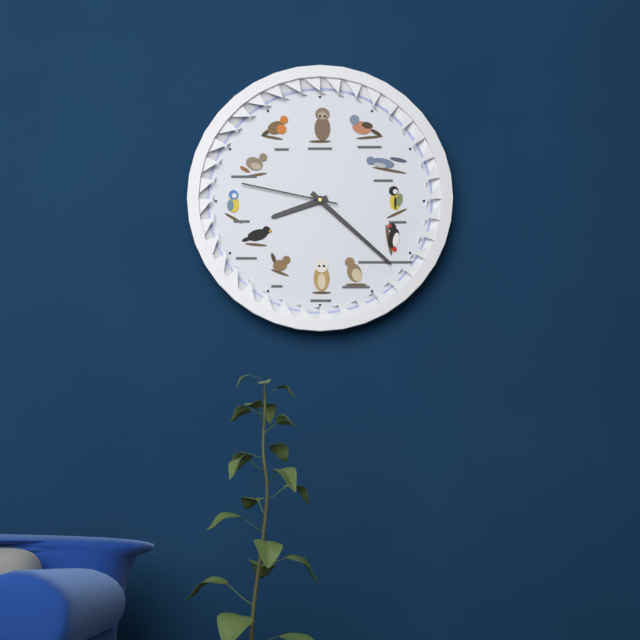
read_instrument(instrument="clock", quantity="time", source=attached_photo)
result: 8:22:47
